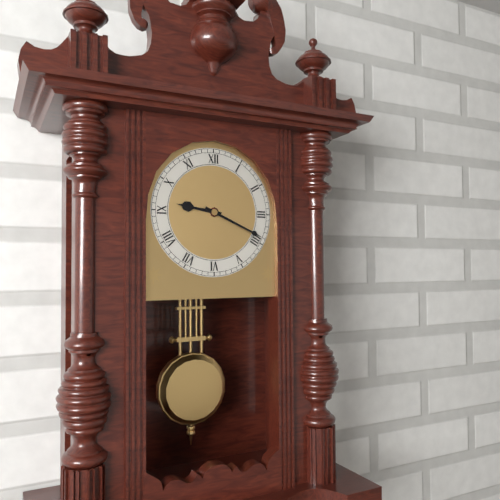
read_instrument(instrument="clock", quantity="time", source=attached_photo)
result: 9:19
